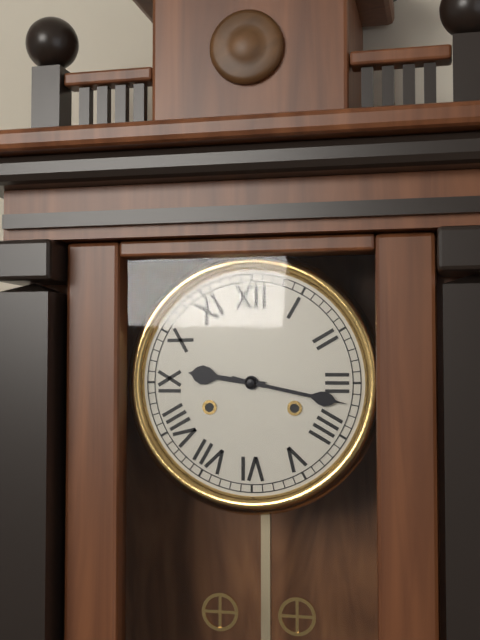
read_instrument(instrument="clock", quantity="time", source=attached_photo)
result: 9:17
